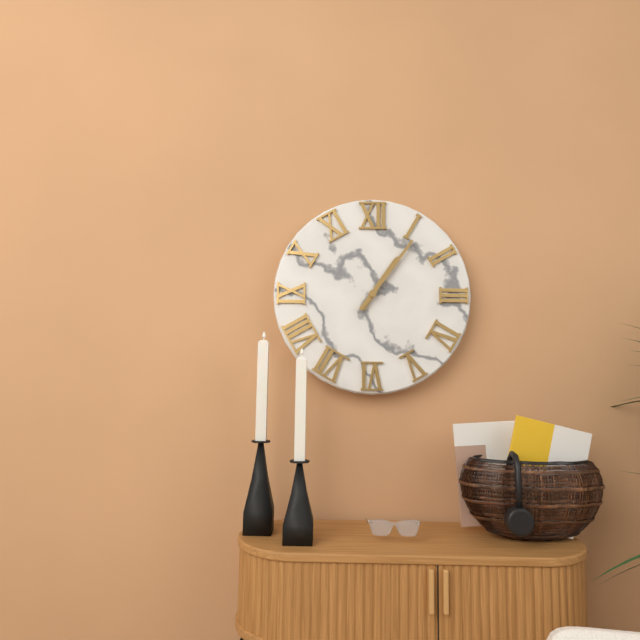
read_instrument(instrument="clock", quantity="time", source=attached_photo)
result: 1:06
